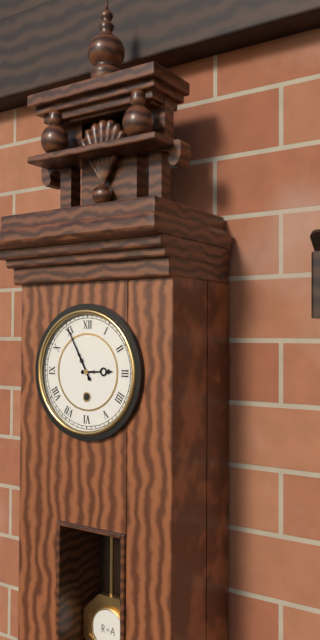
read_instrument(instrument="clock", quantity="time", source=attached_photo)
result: 2:55
